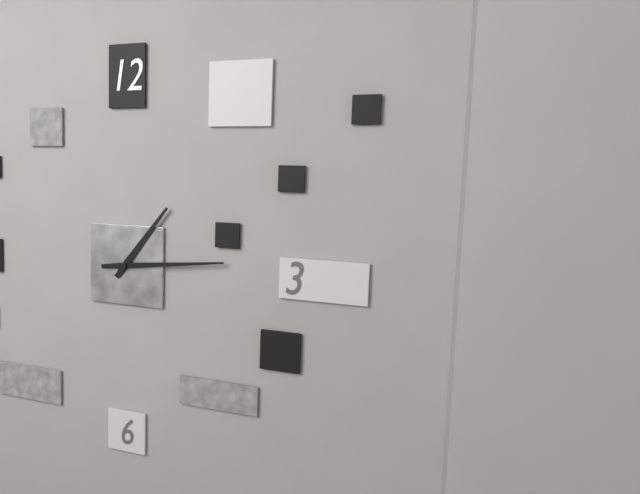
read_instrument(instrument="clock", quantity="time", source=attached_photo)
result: 1:14
